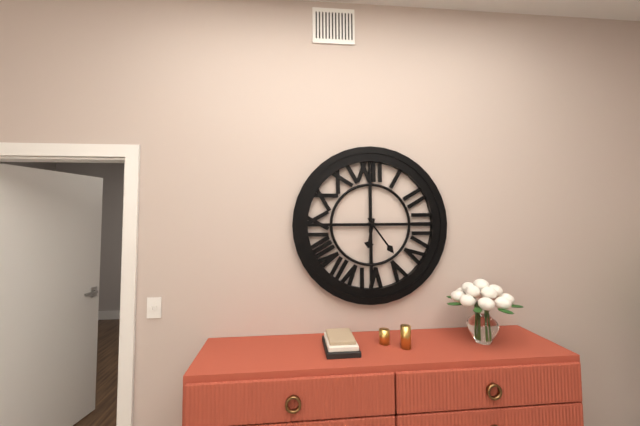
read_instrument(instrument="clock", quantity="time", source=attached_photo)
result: 6:24
